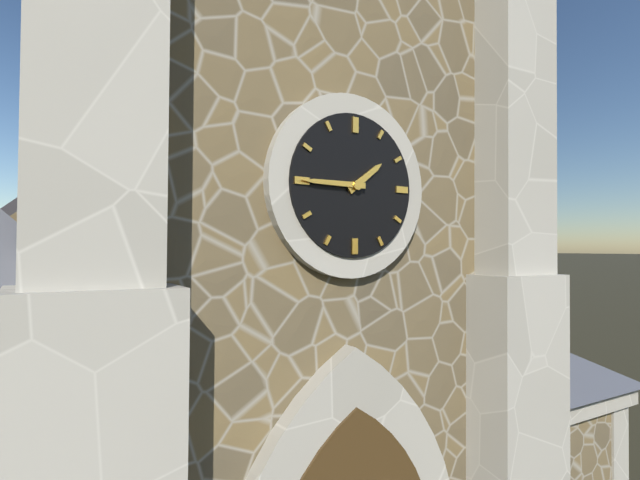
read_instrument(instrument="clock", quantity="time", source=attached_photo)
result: 1:45
